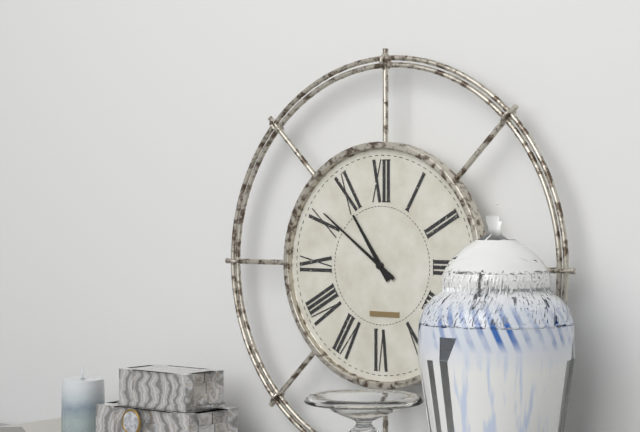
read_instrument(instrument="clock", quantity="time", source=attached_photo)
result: 10:51
